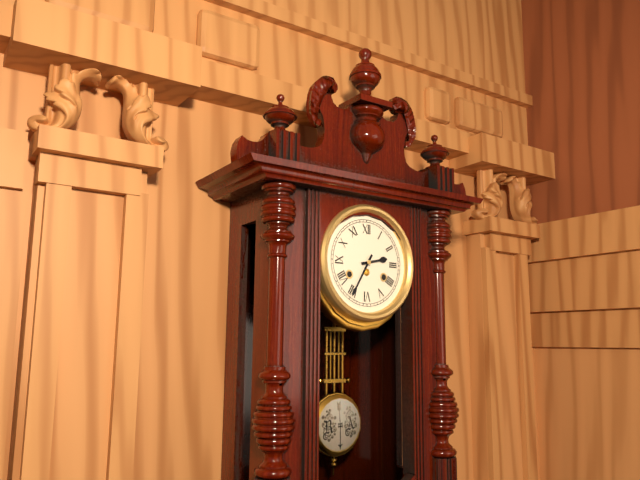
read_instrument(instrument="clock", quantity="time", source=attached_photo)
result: 2:35
